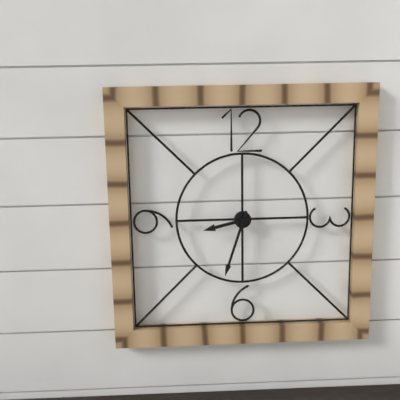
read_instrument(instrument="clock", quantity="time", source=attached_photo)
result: 8:33
